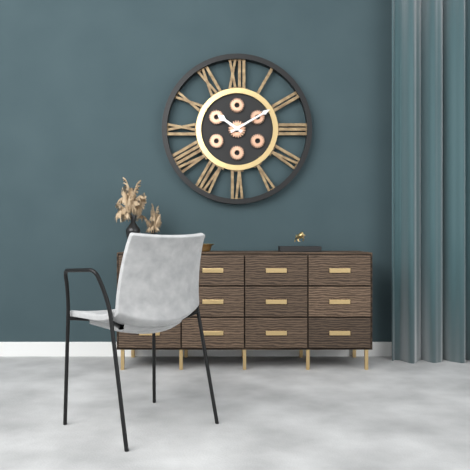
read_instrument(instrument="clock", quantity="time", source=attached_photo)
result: 10:10
